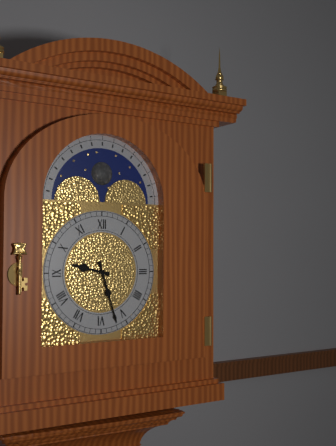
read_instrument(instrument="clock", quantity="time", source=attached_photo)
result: 9:27
